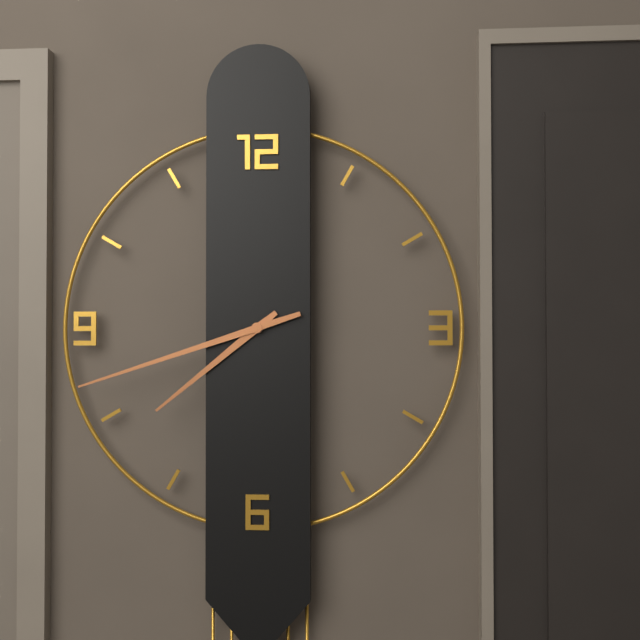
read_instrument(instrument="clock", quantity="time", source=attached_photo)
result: 7:42
